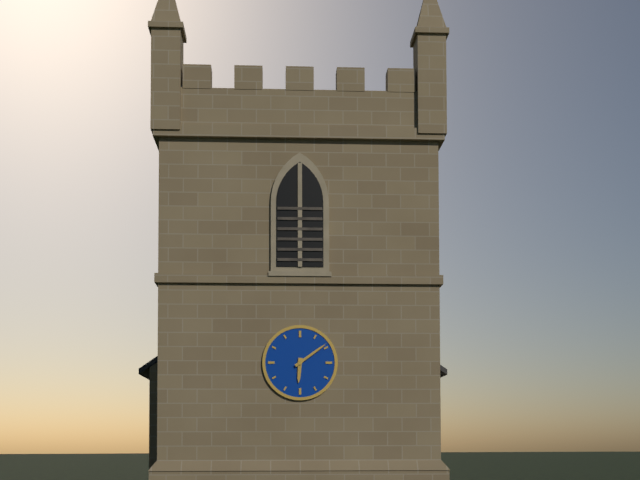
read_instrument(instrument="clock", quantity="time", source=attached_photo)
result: 6:09
